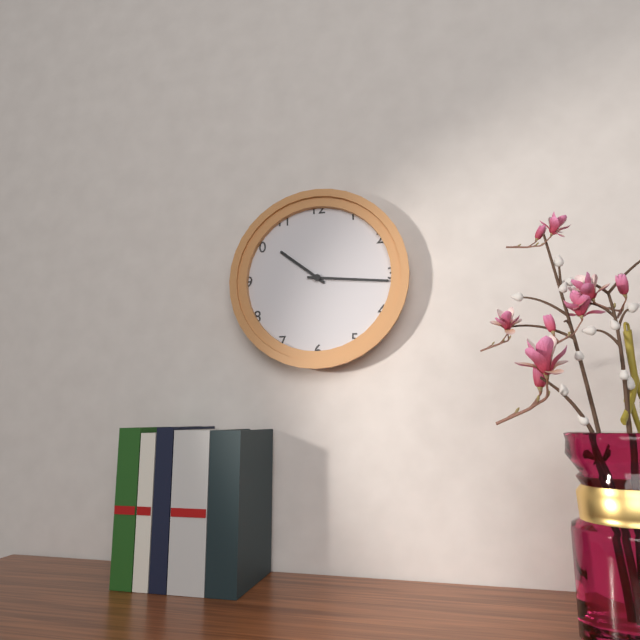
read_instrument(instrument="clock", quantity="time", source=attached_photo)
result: 10:16
